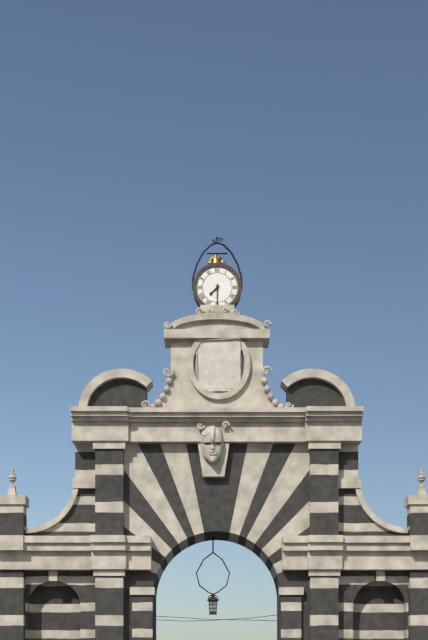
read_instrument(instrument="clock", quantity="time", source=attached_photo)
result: 7:30
